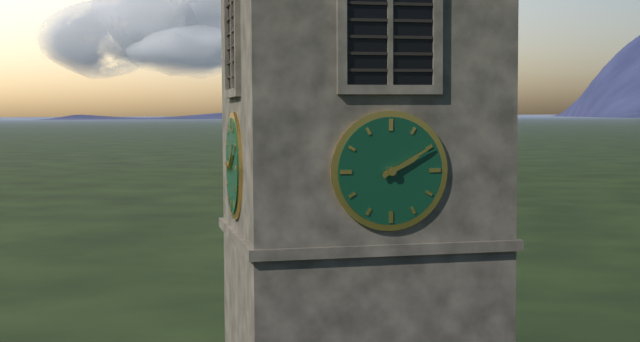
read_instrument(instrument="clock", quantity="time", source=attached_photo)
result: 2:10
